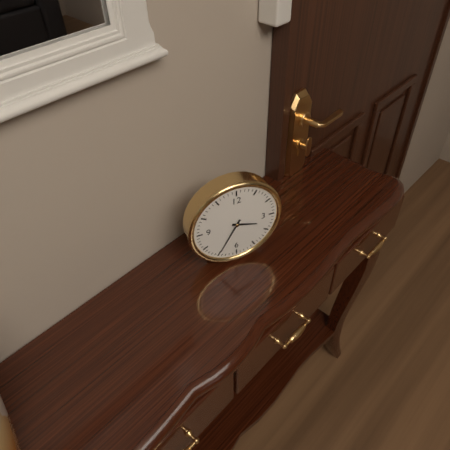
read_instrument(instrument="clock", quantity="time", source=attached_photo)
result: 3:35
